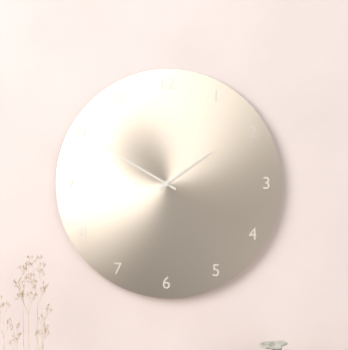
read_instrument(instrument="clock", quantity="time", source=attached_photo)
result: 1:50
